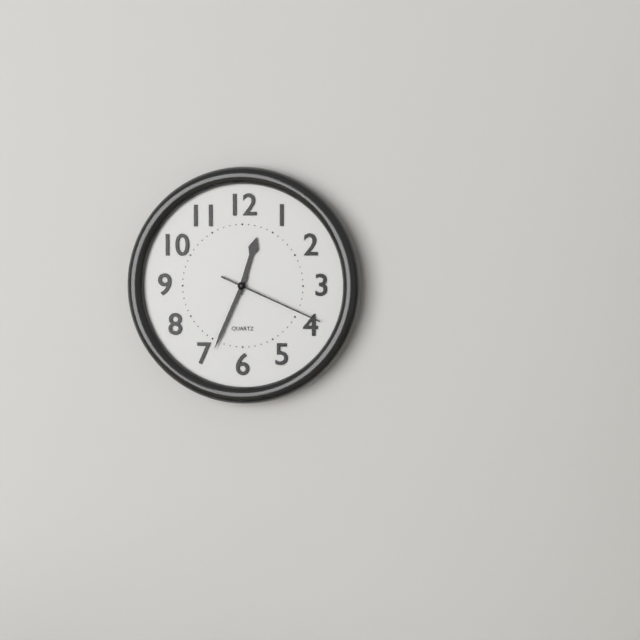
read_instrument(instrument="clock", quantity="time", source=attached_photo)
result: 12:34:19
